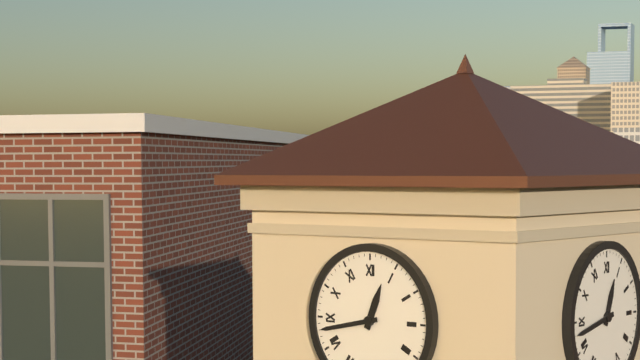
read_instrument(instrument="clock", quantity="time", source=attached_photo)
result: 12:43
